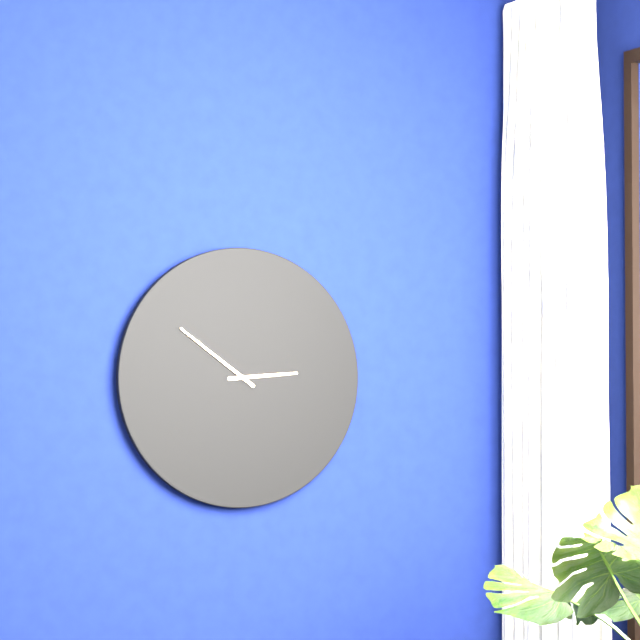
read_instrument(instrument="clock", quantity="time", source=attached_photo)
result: 2:51
